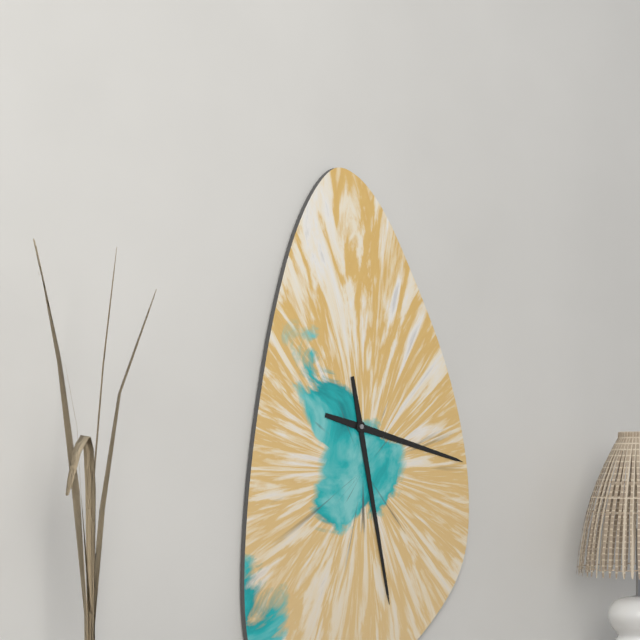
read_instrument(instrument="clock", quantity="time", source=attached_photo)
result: 3:28
